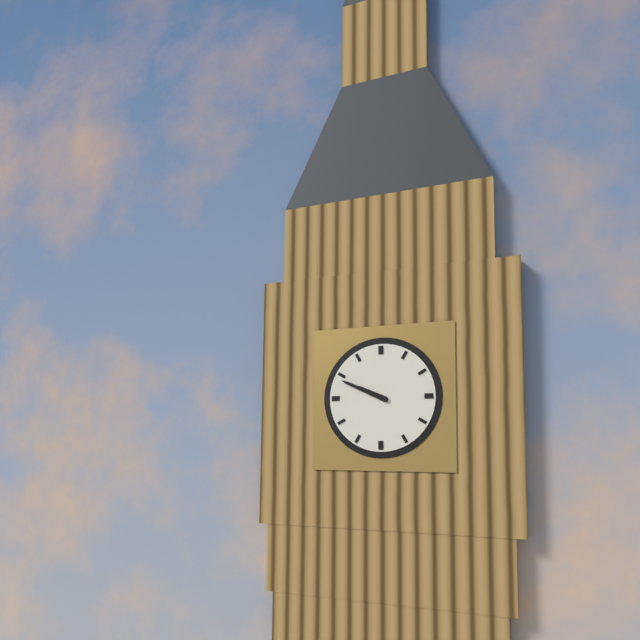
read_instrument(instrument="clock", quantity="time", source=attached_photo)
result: 9:49
